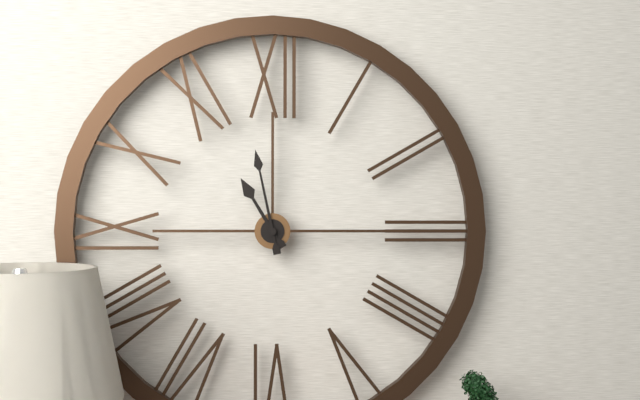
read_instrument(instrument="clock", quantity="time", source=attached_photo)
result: 10:58
